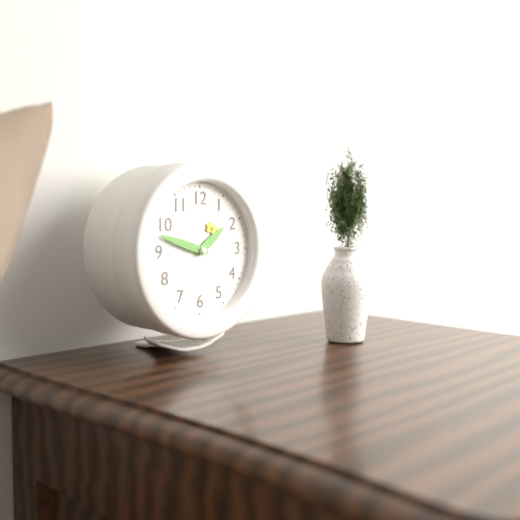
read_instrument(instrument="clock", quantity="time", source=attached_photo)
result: 1:48
